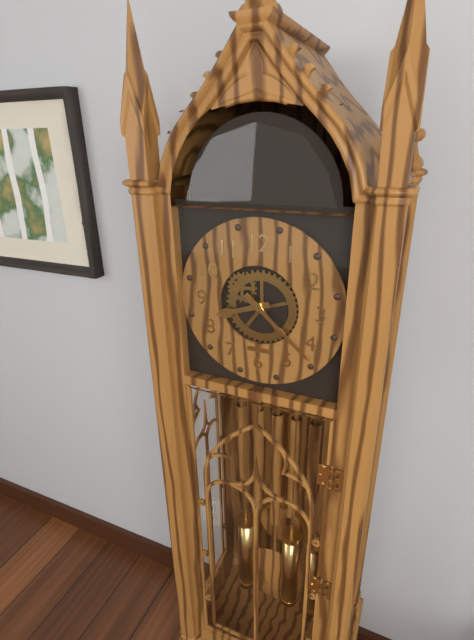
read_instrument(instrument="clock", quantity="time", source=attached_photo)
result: 8:22
